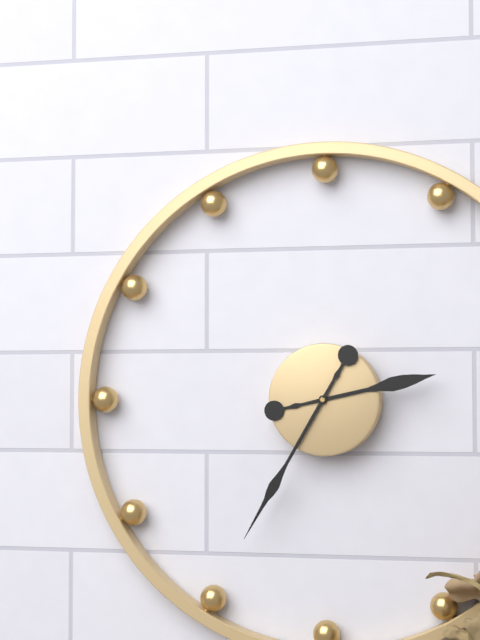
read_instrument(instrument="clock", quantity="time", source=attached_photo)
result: 2:35
